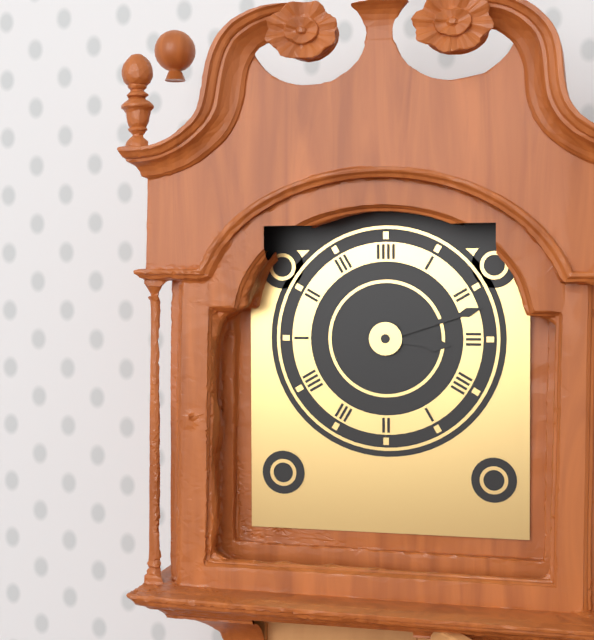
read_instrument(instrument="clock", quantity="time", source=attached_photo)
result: 3:12
